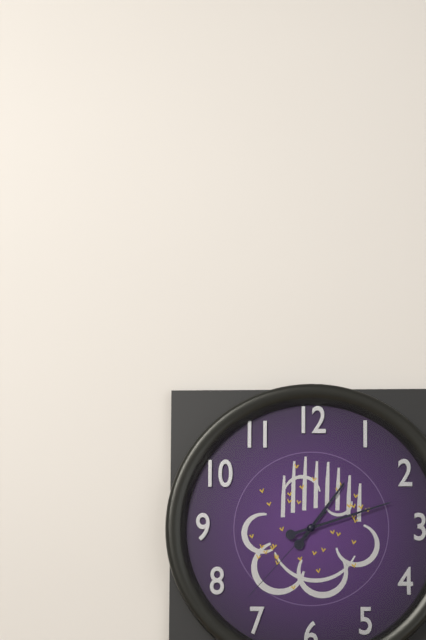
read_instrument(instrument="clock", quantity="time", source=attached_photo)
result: 1:12:37
